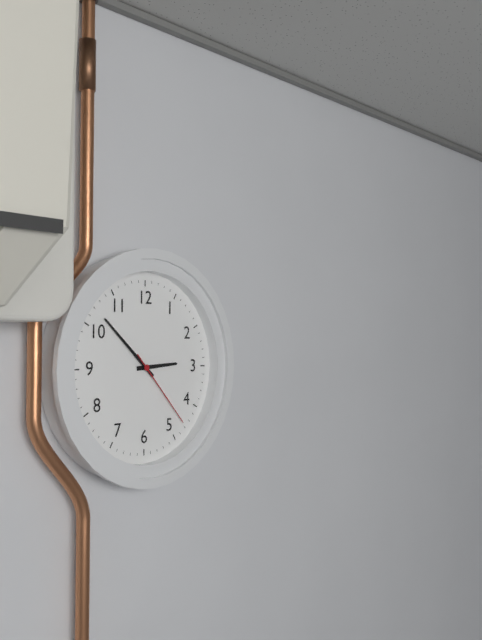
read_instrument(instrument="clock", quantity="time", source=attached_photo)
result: 2:52:23
